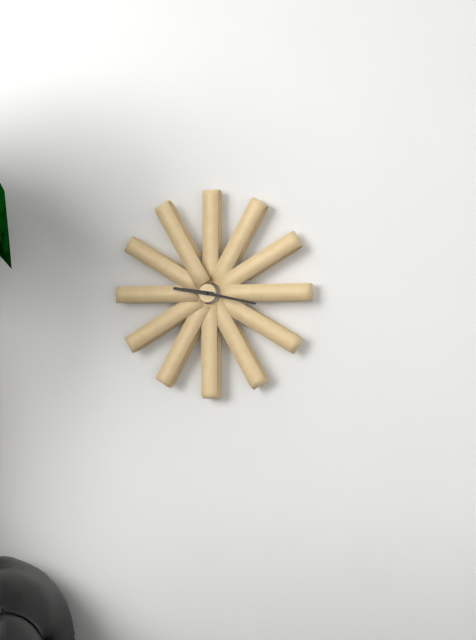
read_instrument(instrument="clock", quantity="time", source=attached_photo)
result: 9:17
